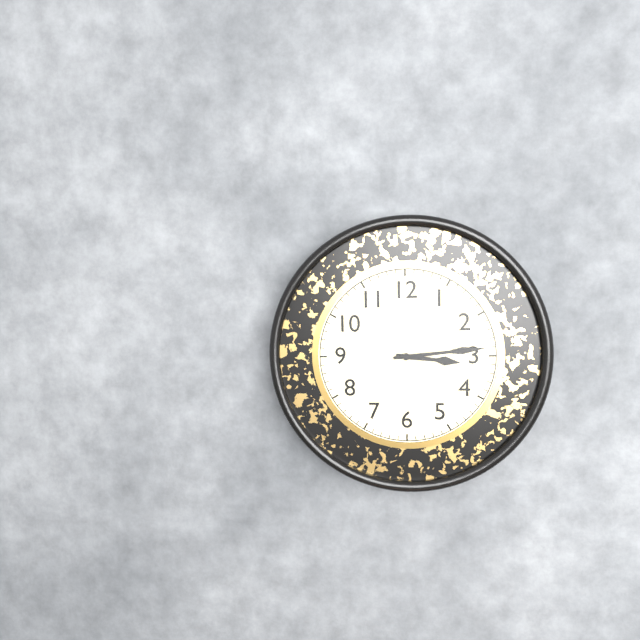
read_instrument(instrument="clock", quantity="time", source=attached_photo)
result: 3:14
